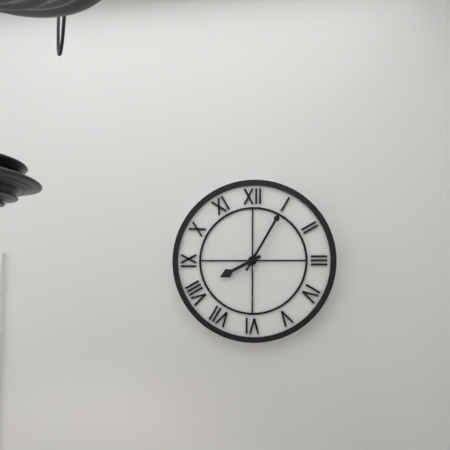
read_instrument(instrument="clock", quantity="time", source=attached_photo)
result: 8:05
